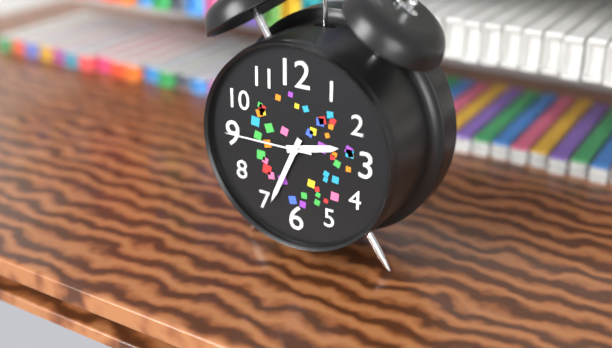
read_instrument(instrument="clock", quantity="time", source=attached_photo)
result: 2:34:45
